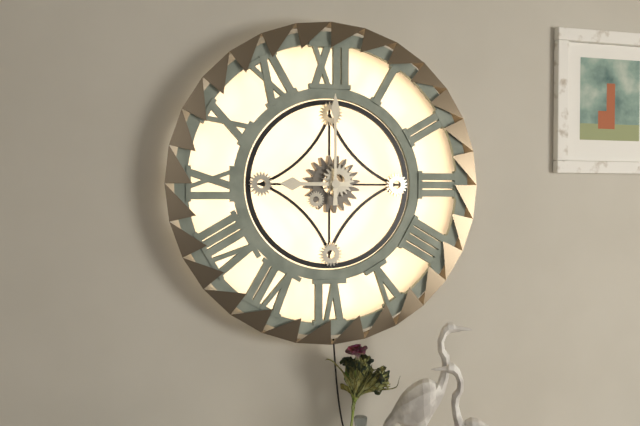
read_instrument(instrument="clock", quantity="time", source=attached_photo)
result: 9:00
